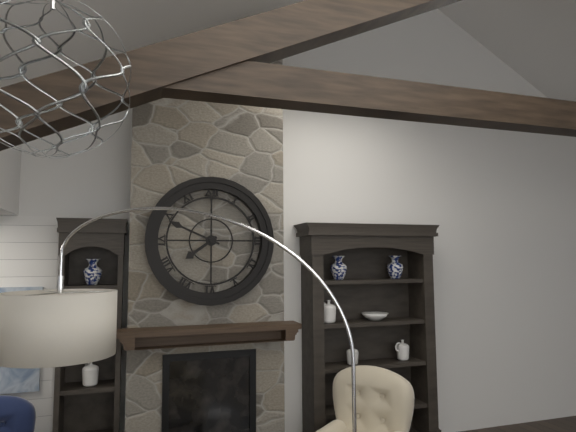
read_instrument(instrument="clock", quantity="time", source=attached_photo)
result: 7:49
